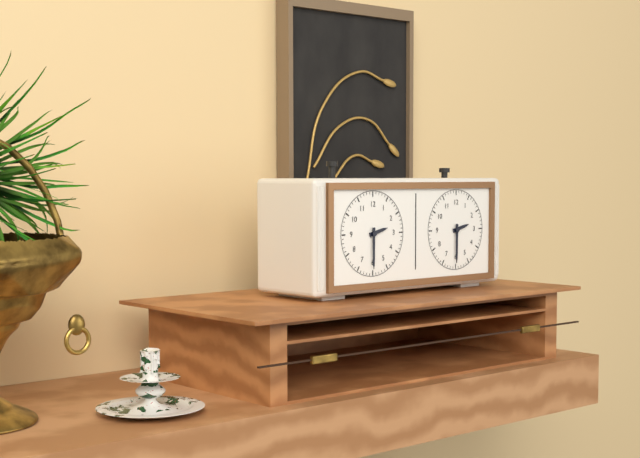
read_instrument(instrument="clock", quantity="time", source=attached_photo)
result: 2:30
